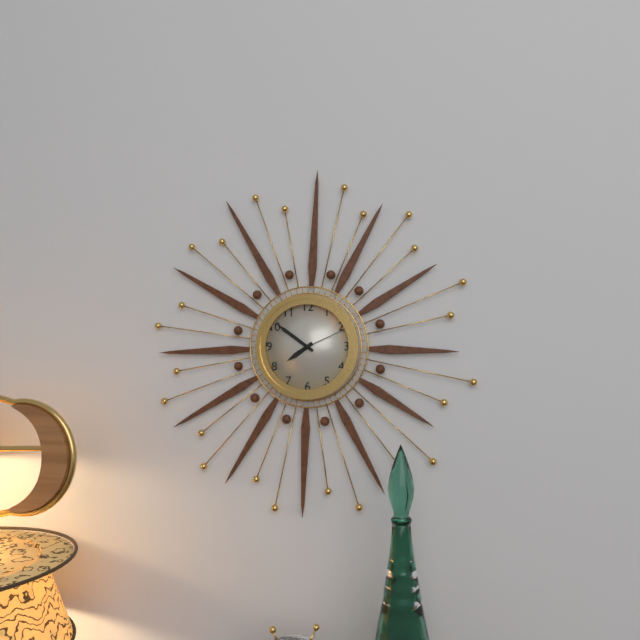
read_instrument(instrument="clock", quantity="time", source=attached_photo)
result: 7:51:11
